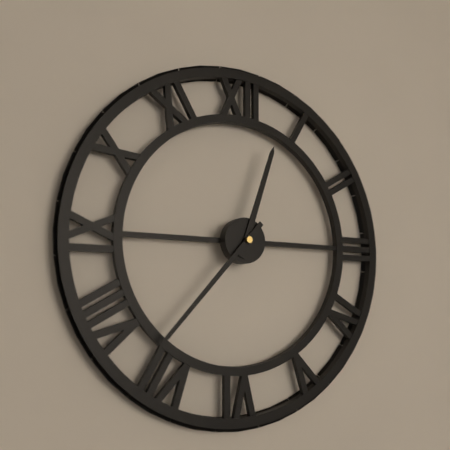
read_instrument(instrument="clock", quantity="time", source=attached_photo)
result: 12:37
